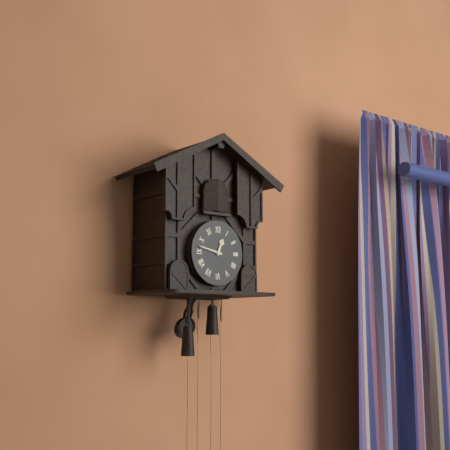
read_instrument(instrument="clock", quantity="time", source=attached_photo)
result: 12:47
